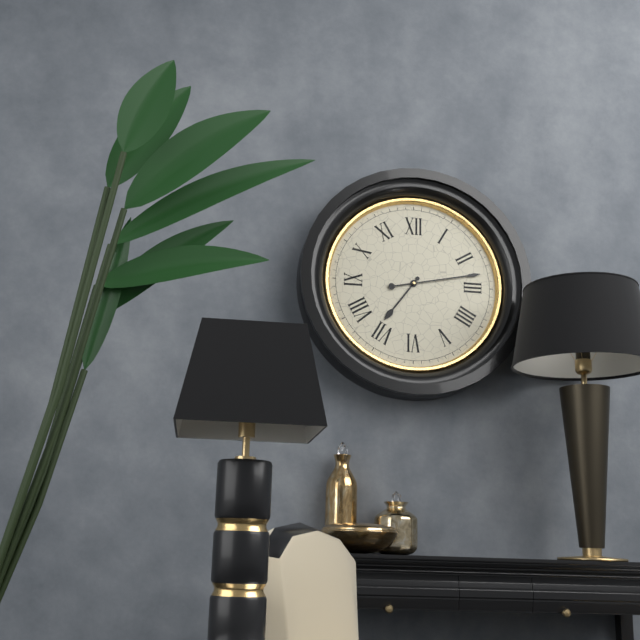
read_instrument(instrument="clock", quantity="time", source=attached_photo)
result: 7:13
